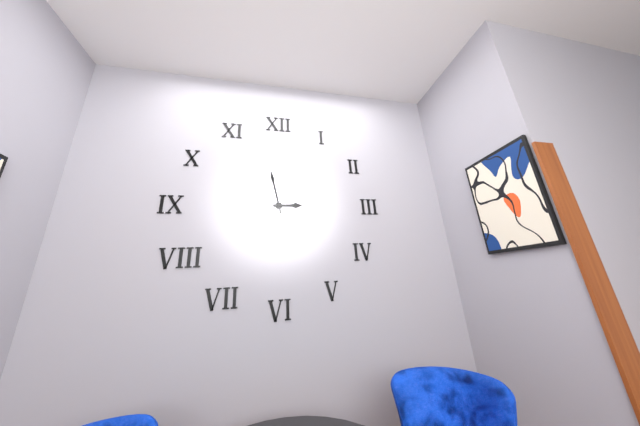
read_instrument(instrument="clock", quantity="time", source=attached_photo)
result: 2:58
